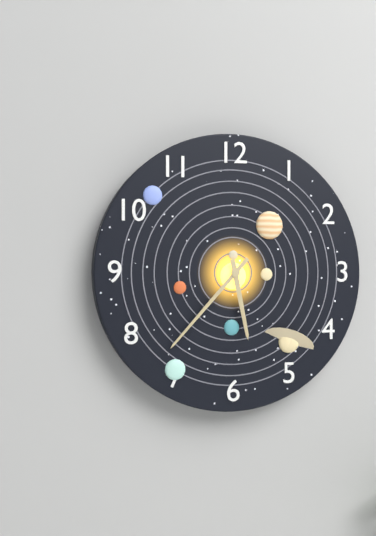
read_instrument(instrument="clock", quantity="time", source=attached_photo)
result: 5:37
